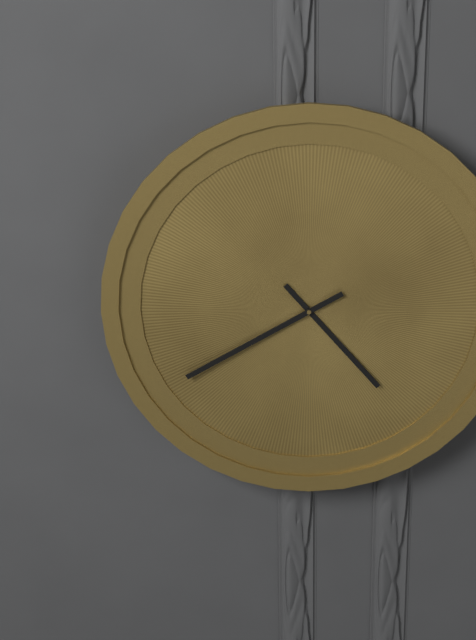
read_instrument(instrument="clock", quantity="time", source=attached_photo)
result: 4:40
